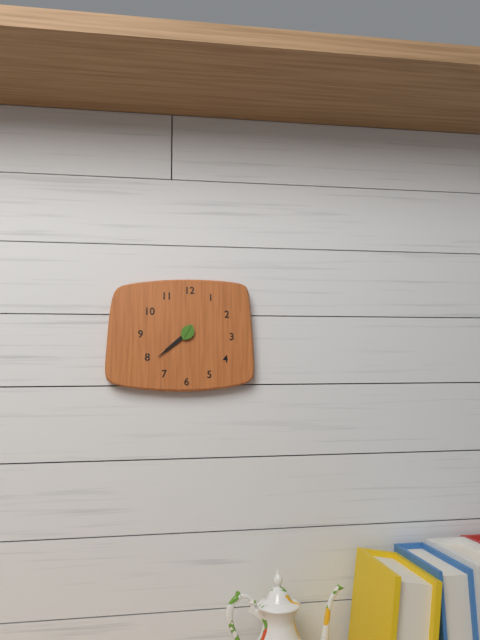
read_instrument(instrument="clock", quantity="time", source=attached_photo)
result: 7:38
